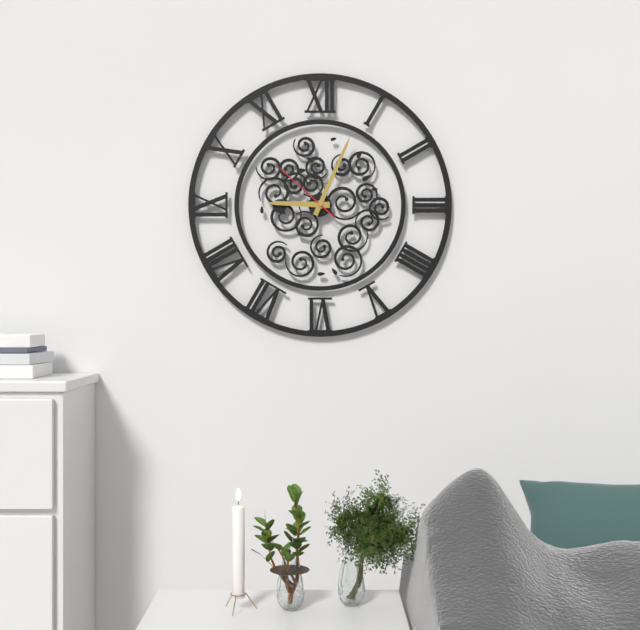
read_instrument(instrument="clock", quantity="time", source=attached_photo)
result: 9:04:52
